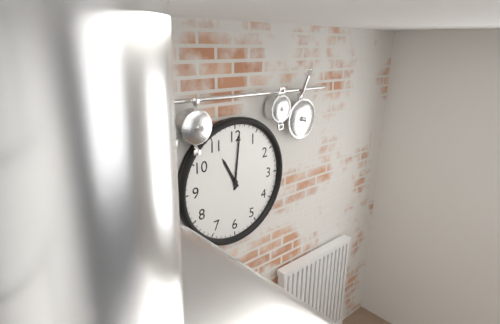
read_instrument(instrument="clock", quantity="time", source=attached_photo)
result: 11:01
